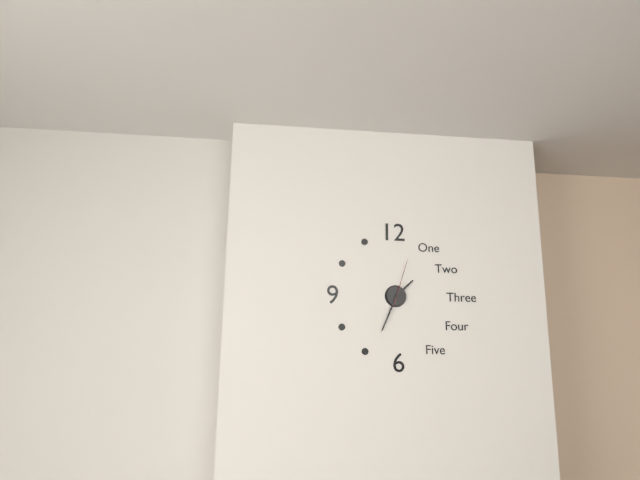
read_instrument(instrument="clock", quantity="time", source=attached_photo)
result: 1:34
